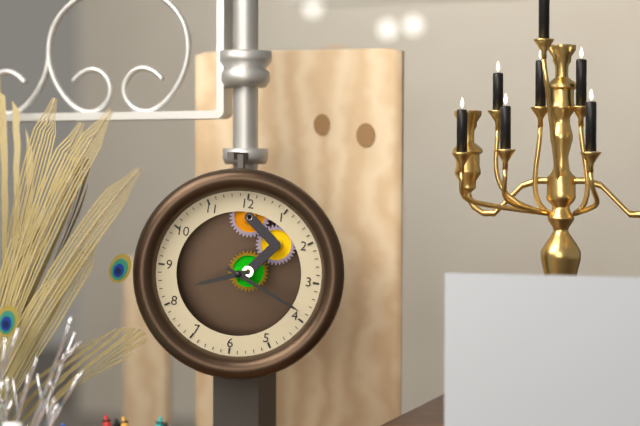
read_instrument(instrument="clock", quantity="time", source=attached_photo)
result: 8:19
